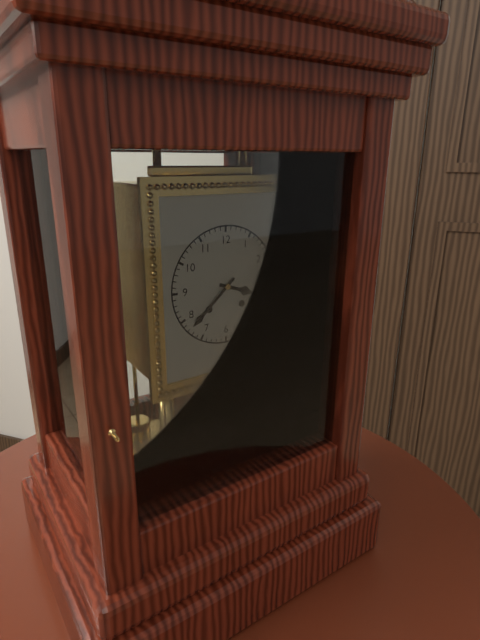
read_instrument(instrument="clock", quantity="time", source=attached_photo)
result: 3:38
